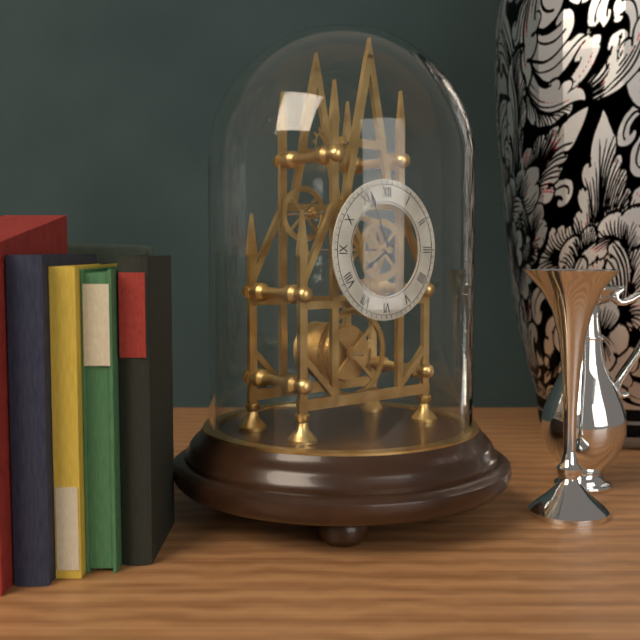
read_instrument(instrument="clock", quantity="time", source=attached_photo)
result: 7:56
